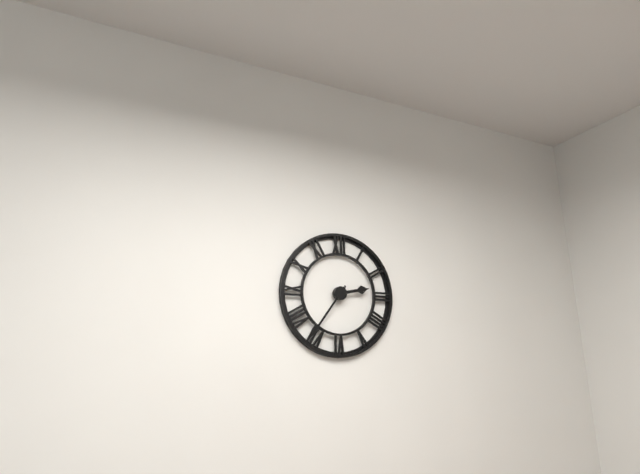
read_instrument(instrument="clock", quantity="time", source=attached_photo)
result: 2:36
